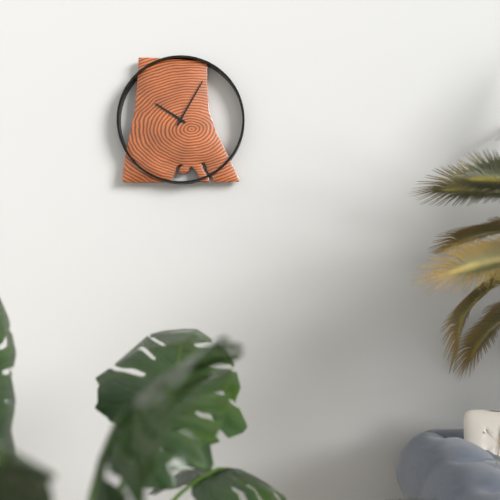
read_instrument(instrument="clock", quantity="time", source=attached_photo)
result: 10:05
